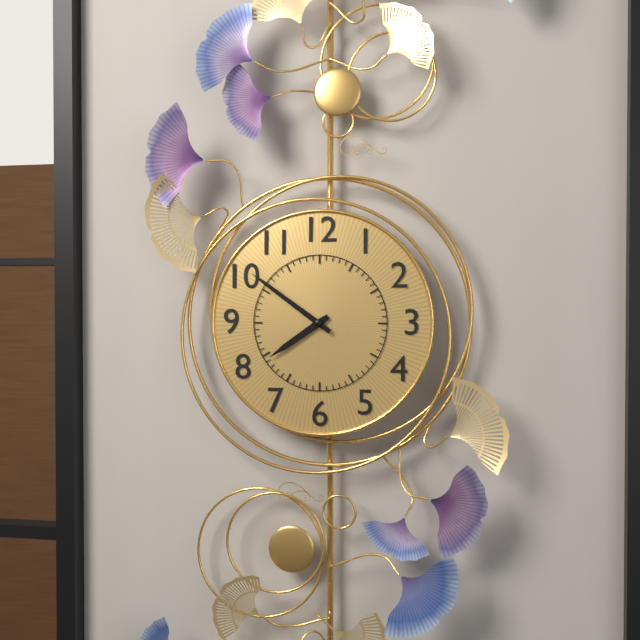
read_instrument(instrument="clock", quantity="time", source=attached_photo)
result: 7:51
